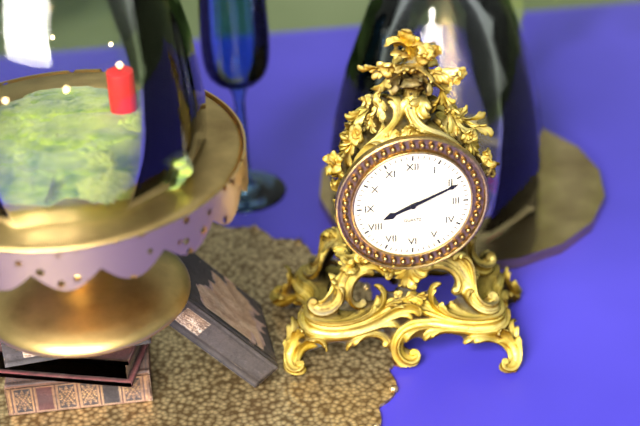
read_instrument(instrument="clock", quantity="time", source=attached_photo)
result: 8:11
